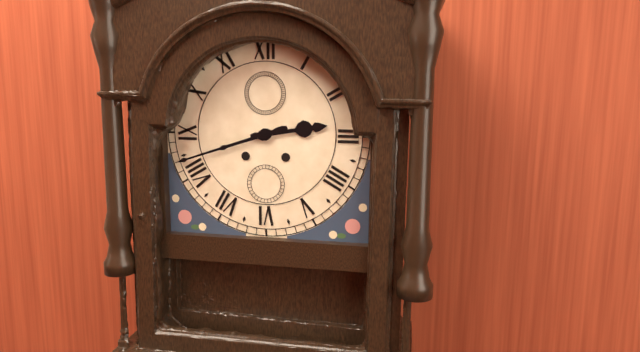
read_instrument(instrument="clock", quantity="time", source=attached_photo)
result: 2:42
